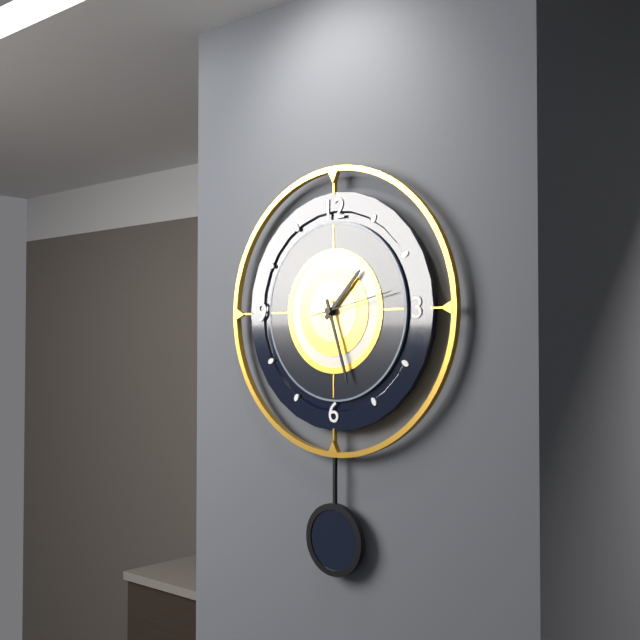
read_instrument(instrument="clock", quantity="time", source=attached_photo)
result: 1:27:13
